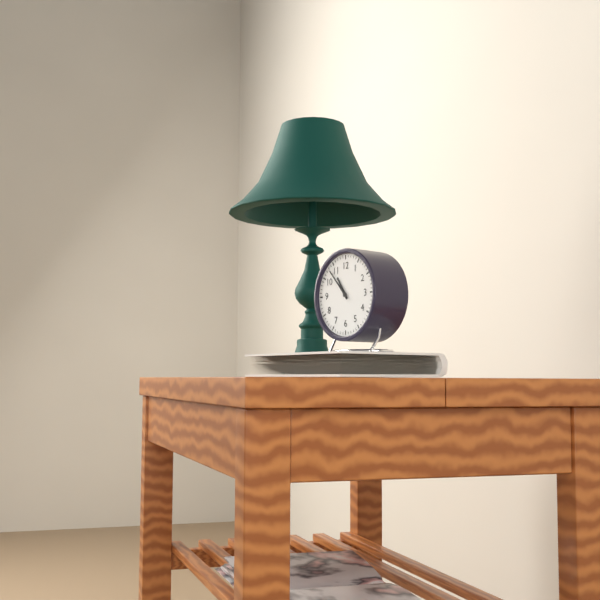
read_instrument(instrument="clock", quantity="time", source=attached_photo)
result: 10:53
